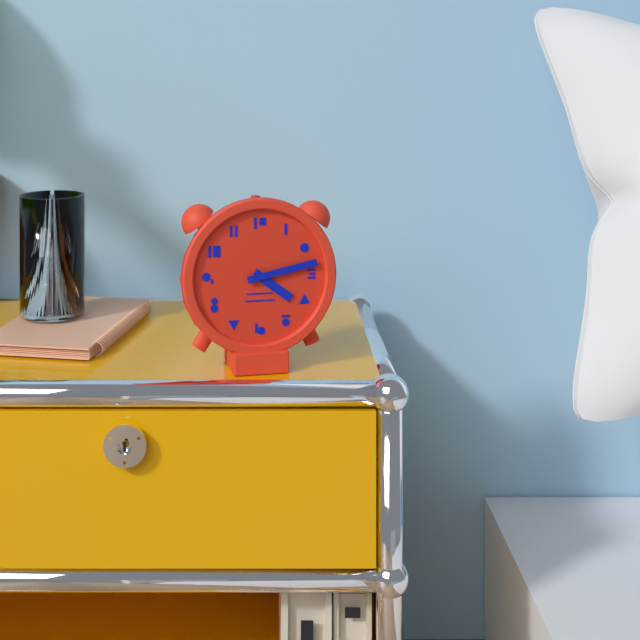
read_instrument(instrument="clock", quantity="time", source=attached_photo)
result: 4:13
